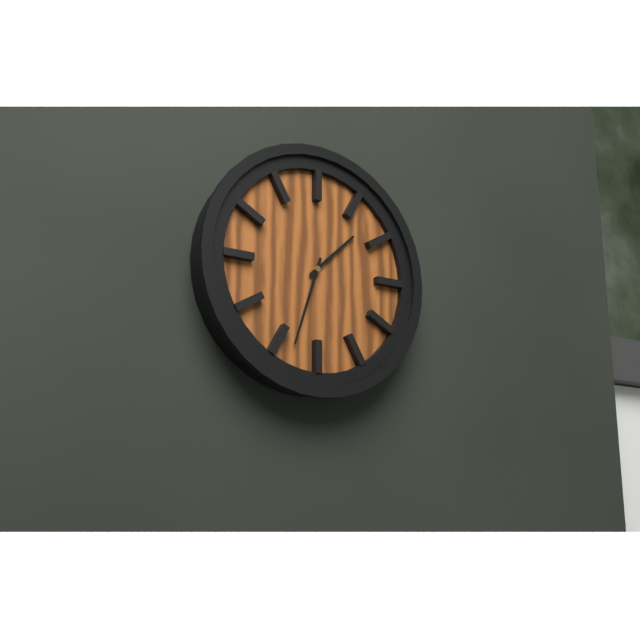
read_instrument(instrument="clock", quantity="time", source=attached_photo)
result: 1:33
